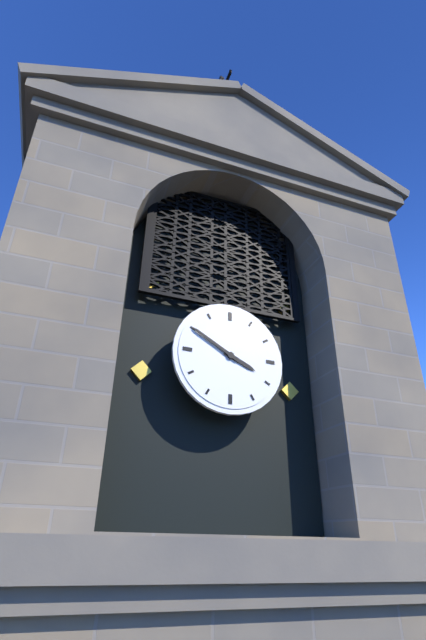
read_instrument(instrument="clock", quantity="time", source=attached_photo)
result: 3:50
